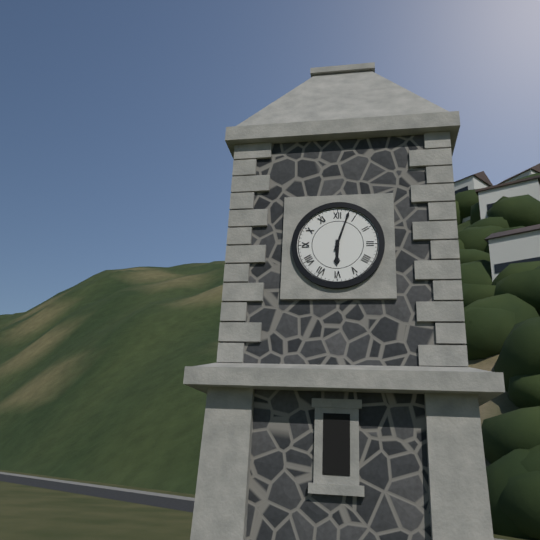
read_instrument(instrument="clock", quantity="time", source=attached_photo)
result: 6:03
